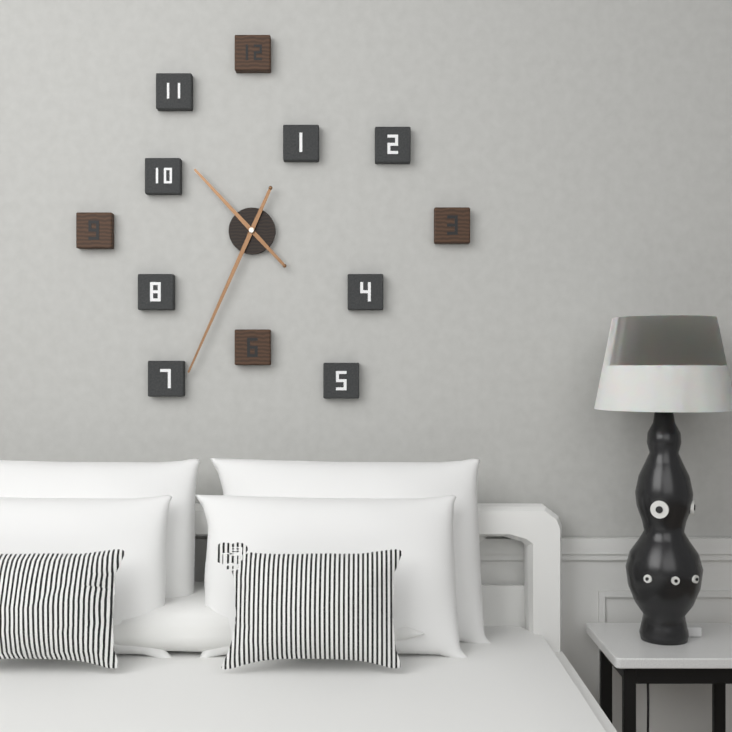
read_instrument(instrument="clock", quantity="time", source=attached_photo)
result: 10:34
